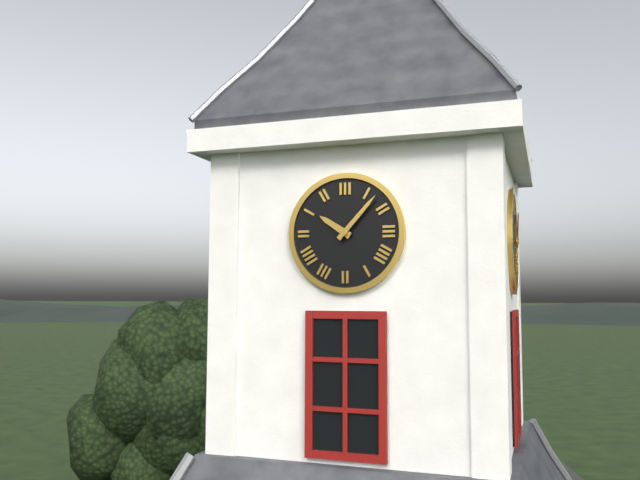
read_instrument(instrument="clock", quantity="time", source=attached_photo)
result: 10:07
